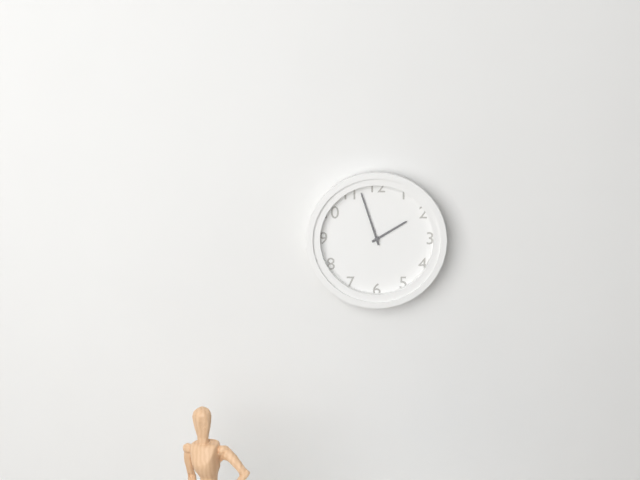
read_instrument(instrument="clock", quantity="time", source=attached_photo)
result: 1:57
